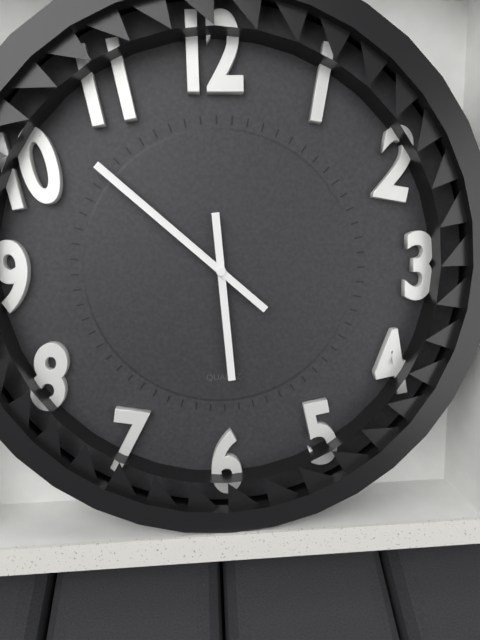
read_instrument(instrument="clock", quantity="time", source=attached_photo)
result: 5:52
